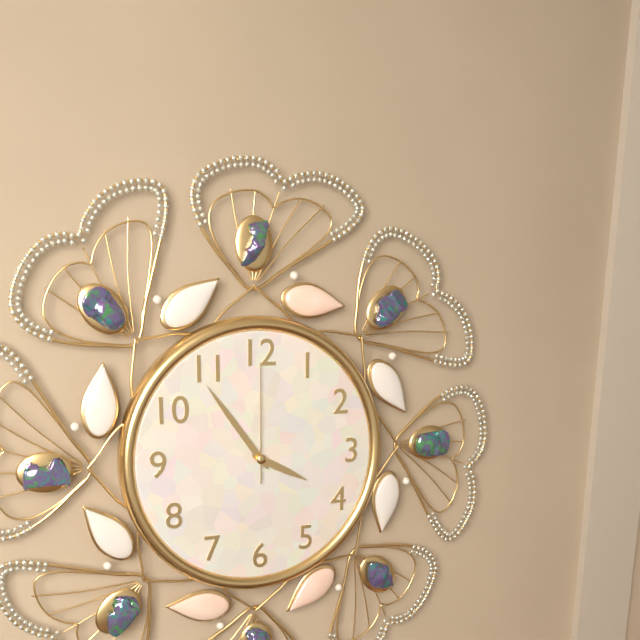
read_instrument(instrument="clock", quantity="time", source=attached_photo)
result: 3:54:00
